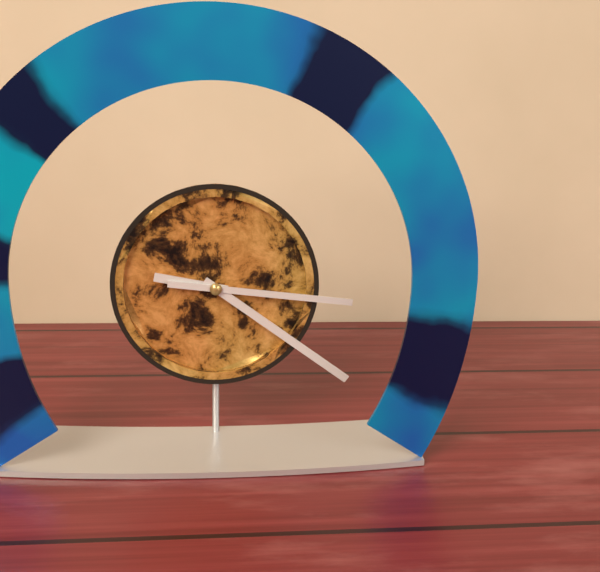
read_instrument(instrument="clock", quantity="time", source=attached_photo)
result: 9:21:16
